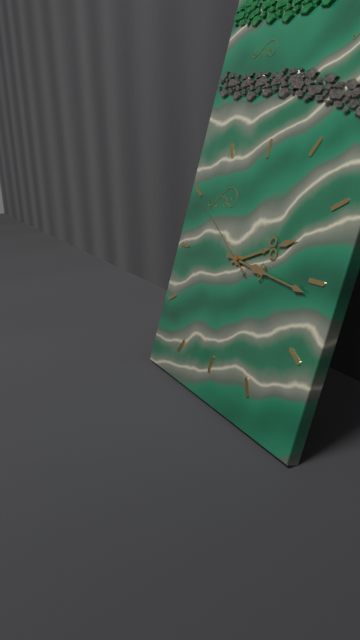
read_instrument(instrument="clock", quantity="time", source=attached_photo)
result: 2:16:50
